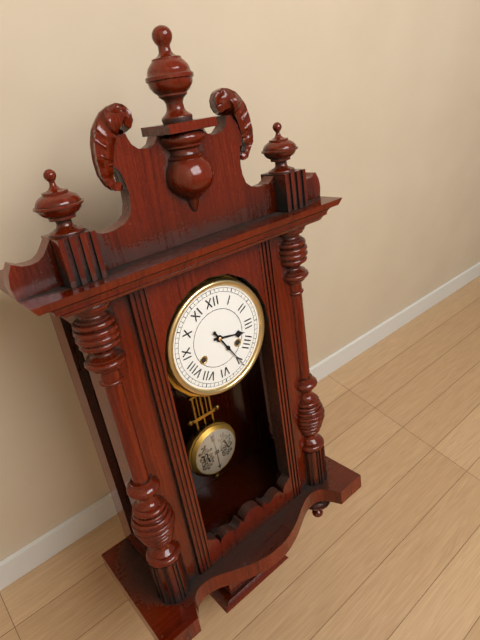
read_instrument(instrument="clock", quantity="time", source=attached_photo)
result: 3:25
